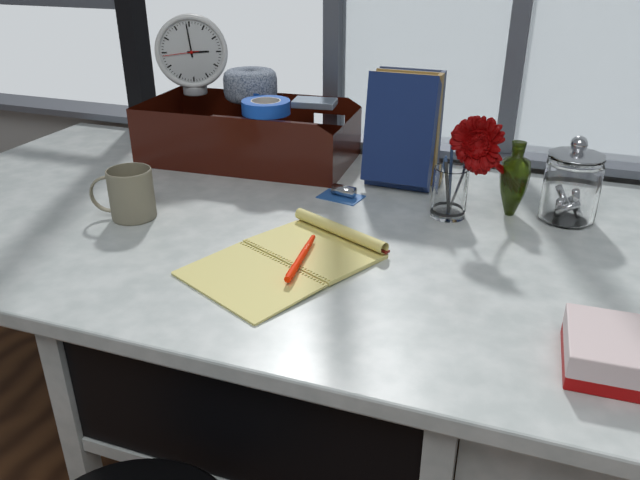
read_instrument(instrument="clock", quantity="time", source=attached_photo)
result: 2:59
